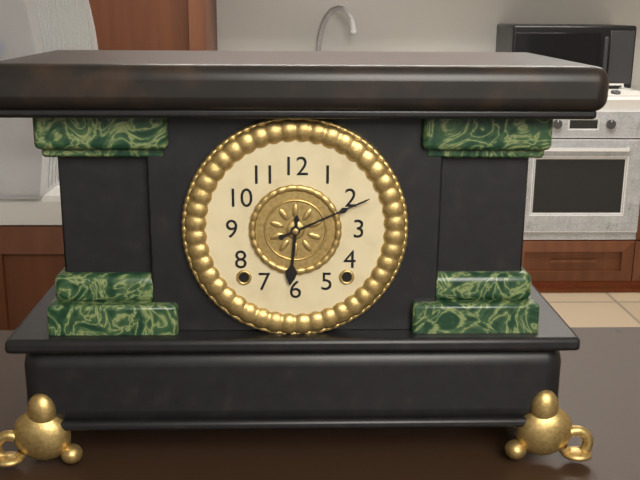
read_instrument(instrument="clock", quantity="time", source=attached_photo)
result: 6:11
